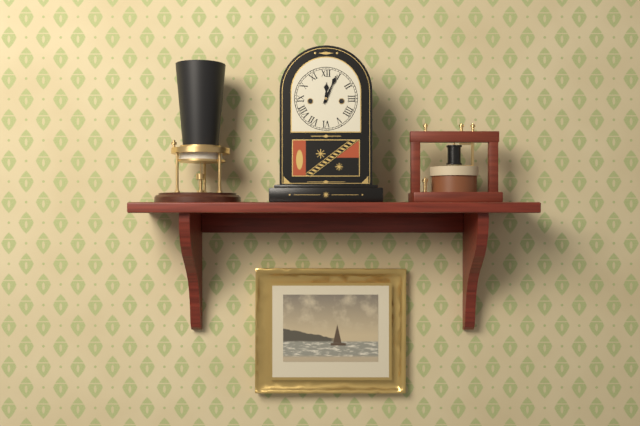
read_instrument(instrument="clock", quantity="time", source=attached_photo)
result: 12:04
